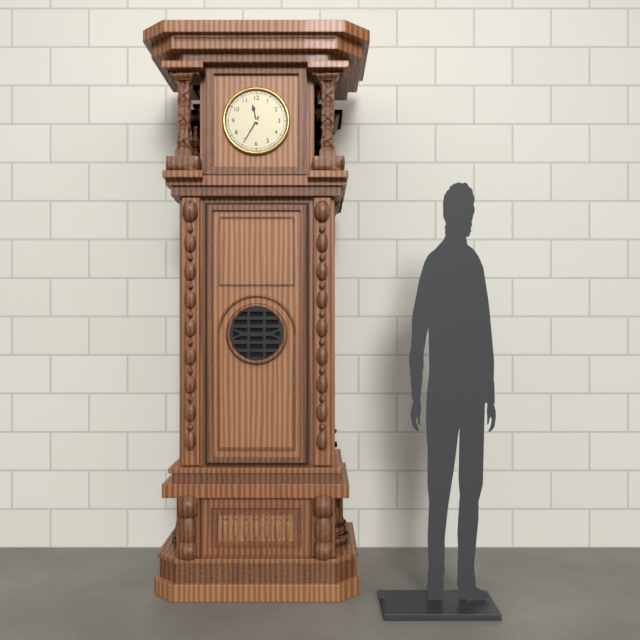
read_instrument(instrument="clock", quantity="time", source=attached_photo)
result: 11:35
